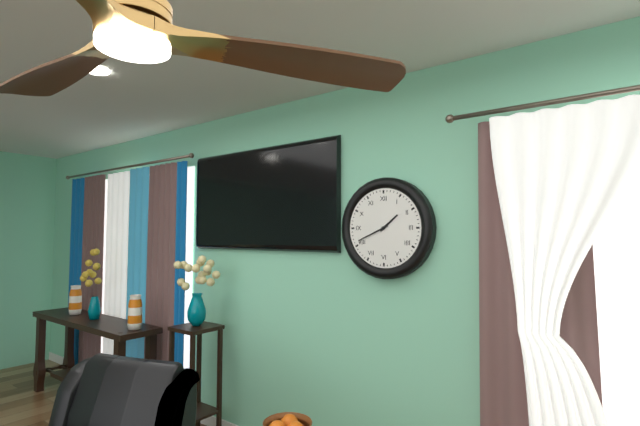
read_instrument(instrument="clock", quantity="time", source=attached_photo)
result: 1:41
